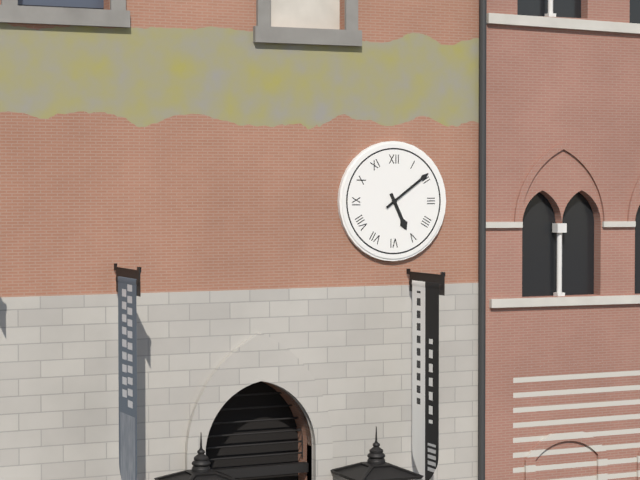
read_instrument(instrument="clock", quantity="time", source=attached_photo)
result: 5:09
